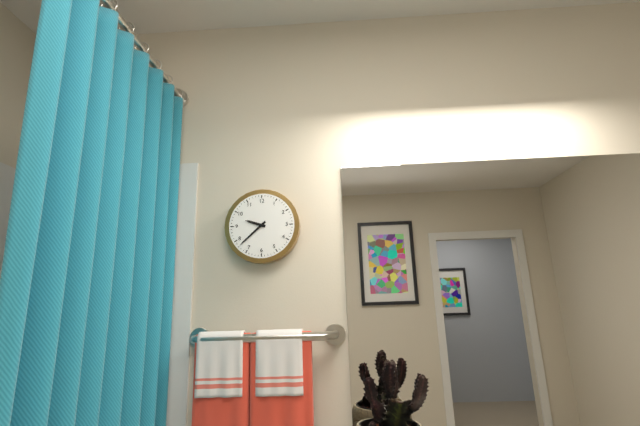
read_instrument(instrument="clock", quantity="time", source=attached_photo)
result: 9:38
